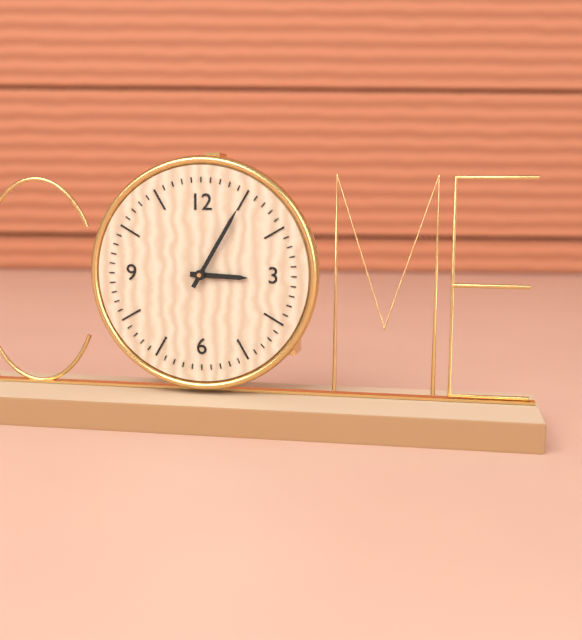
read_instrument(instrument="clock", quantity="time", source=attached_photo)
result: 3:05
